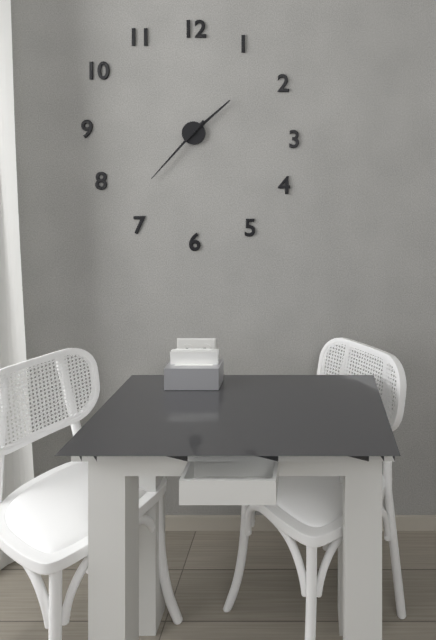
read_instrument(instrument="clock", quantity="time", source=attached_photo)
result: 1:37
